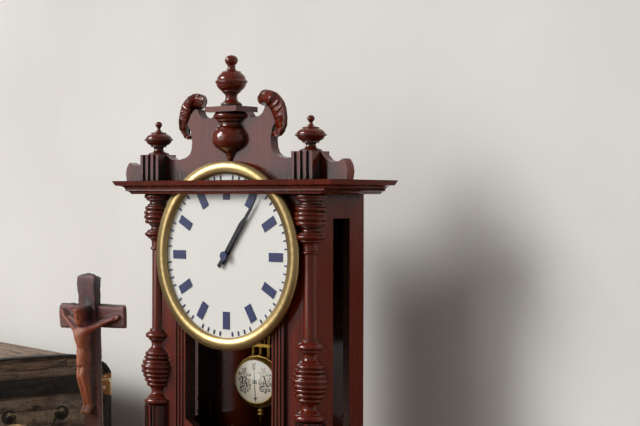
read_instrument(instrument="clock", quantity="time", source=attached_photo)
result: 1:06
